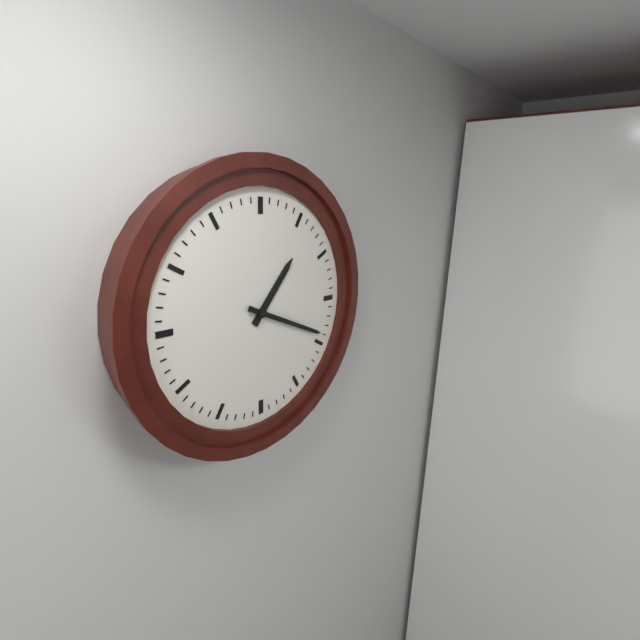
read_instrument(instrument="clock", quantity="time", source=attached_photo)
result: 1:19
